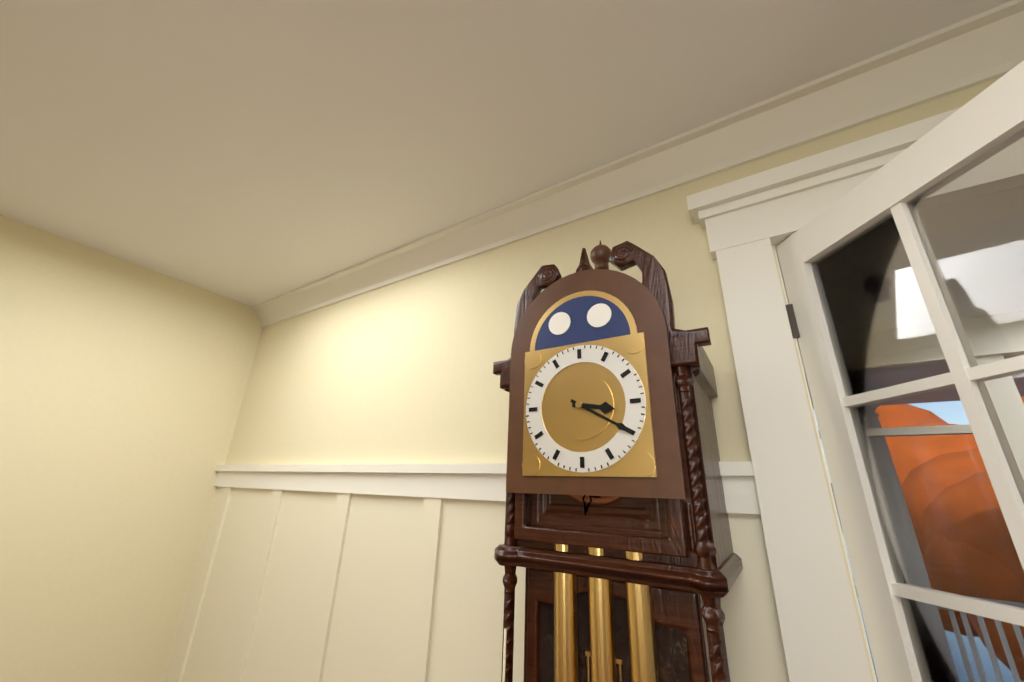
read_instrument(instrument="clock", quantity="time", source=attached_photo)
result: 3:20
